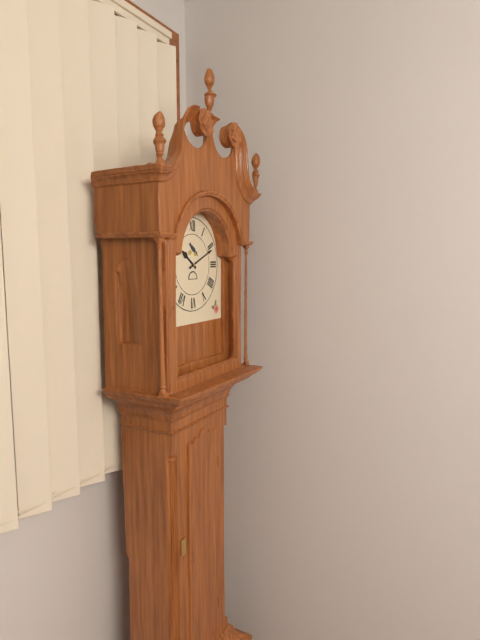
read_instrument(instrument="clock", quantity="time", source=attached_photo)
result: 10:11
